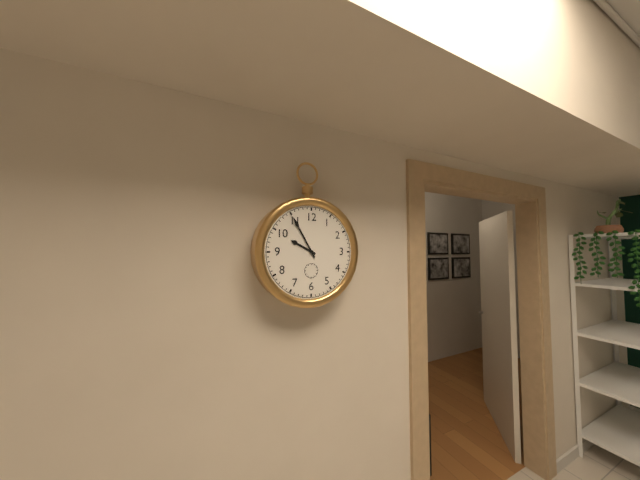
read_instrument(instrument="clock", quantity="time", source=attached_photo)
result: 9:55
